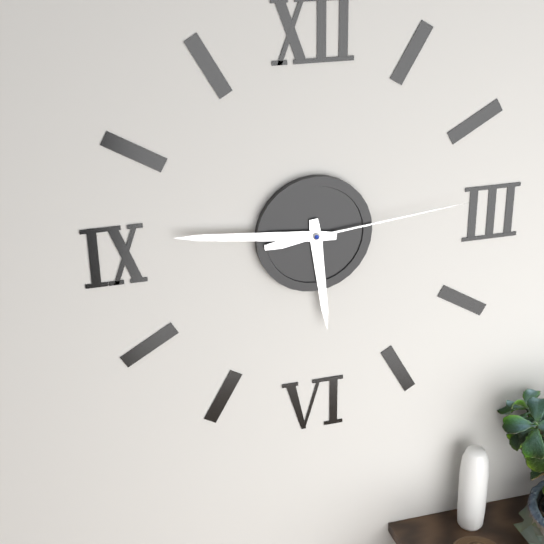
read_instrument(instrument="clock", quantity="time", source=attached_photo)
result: 5:46:14
